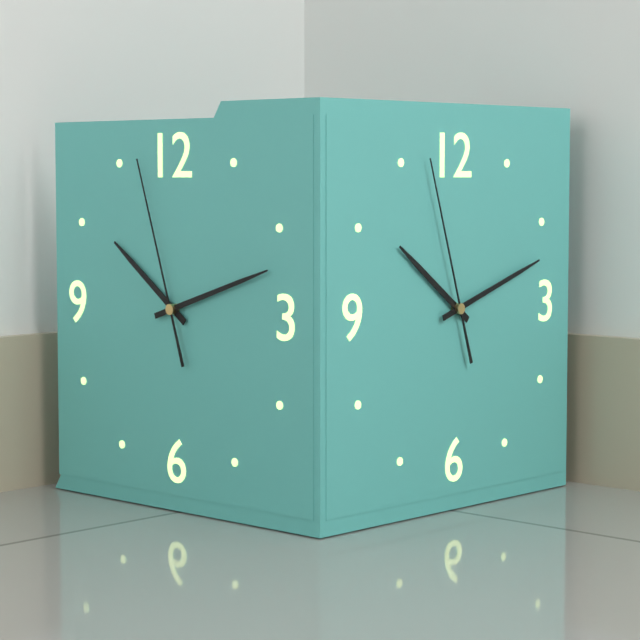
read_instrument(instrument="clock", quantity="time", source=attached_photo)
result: 10:12:57
